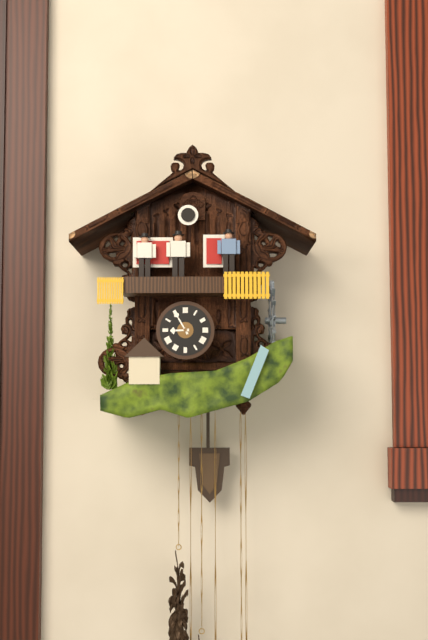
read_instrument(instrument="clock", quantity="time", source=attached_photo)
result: 8:55
